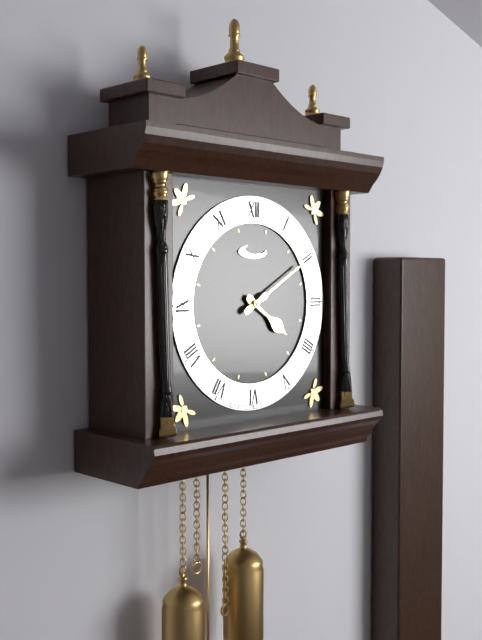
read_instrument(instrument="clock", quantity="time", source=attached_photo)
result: 4:10
